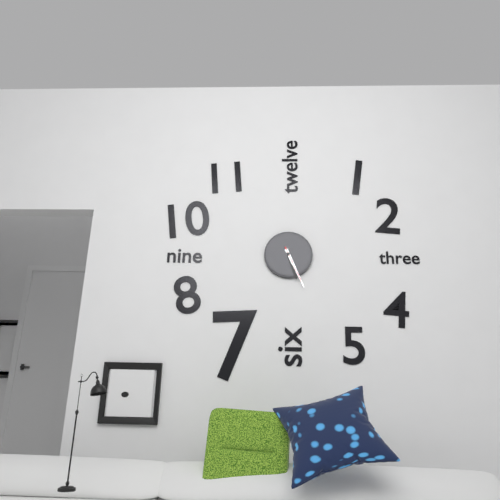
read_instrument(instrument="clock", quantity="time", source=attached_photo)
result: 5:26
